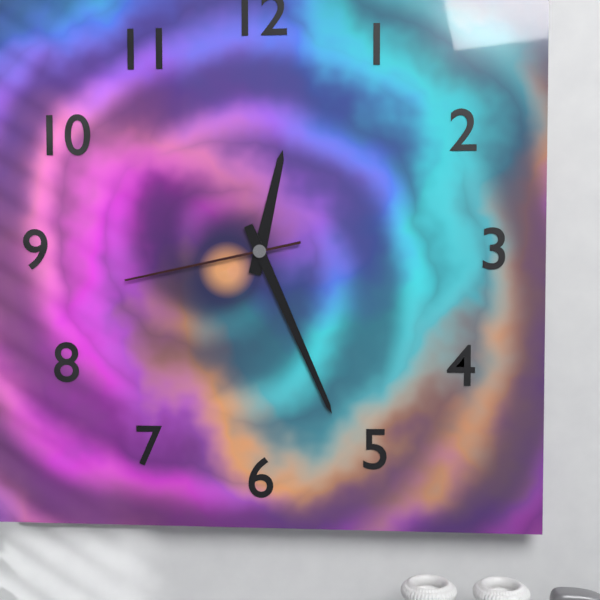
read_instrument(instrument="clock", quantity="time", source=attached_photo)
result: 12:26:43
